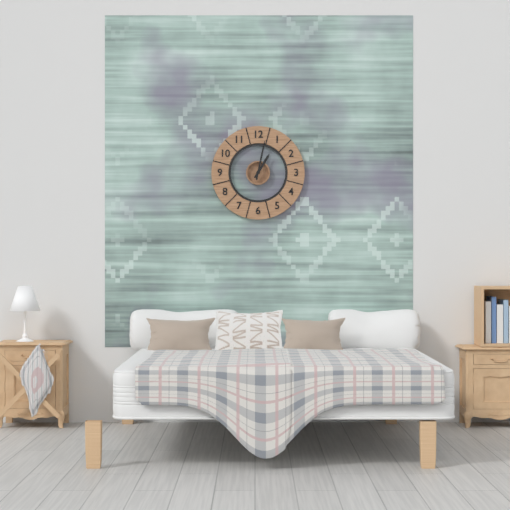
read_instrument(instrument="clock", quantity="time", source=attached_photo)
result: 1:02
